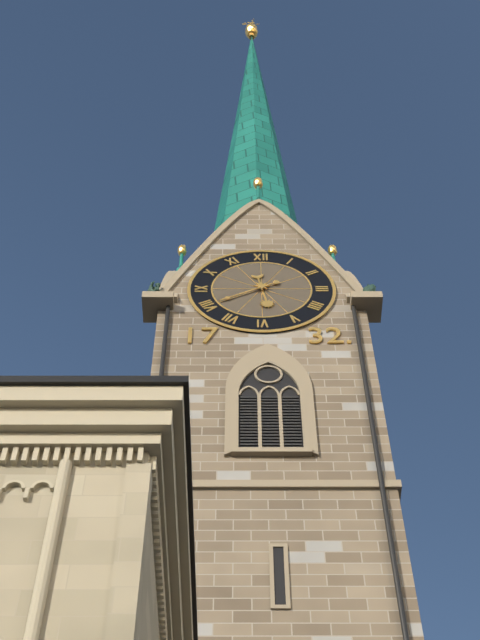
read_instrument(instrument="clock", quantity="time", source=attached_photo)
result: 5:40
